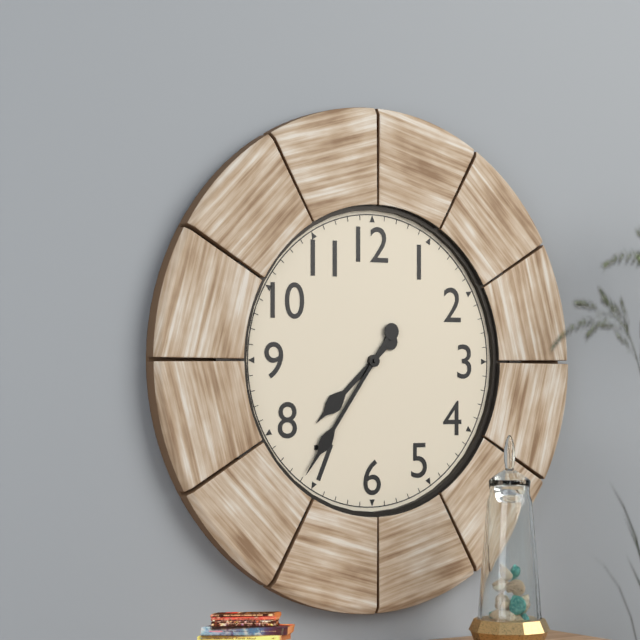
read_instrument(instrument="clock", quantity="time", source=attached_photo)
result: 7:36
